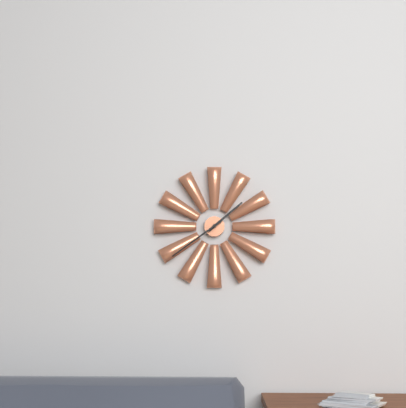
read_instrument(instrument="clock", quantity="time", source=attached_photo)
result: 1:39
